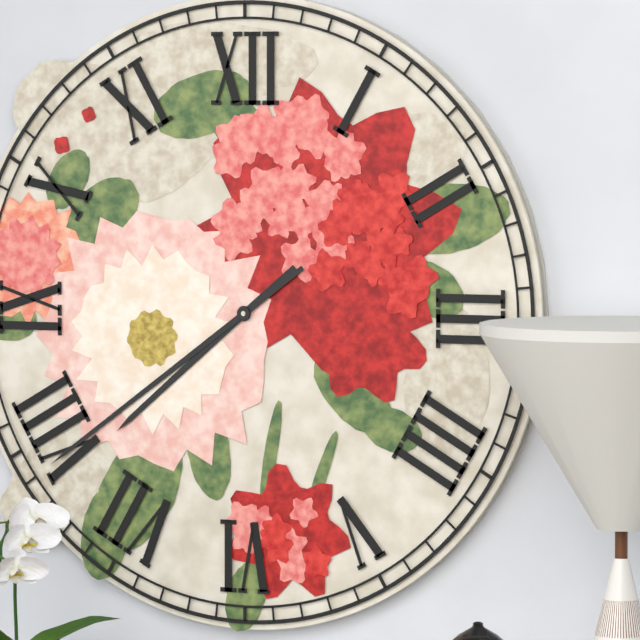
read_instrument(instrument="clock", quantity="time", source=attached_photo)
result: 7:39
